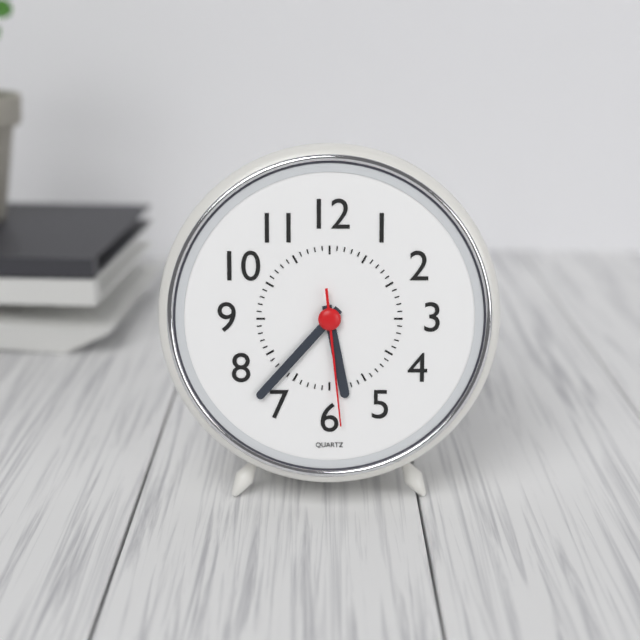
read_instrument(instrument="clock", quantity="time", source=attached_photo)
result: 5:37:29
